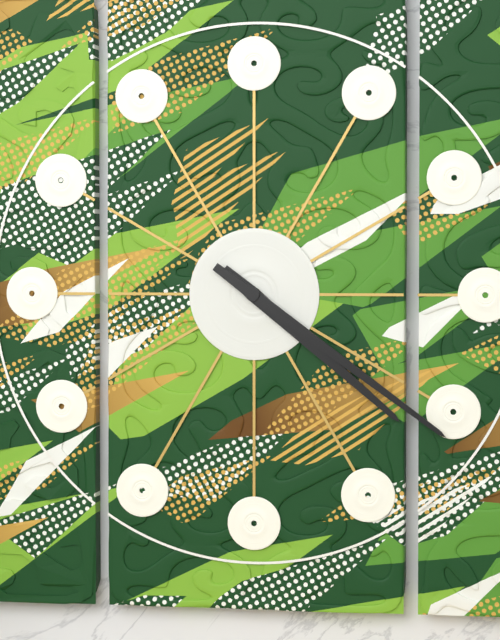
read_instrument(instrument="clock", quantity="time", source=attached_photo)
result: 4:21
